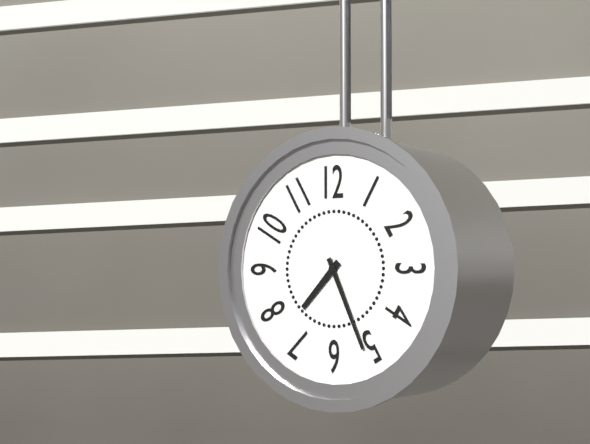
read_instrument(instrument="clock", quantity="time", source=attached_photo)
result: 7:26
